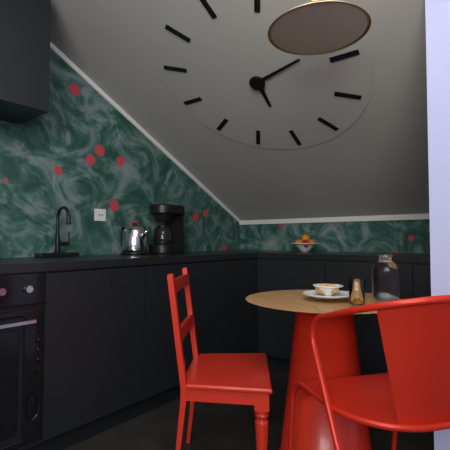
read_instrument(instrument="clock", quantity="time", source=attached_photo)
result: 6:13
